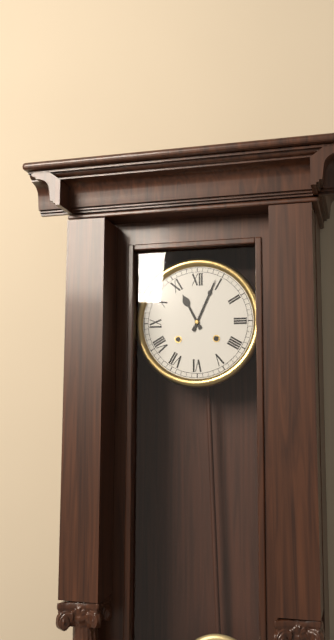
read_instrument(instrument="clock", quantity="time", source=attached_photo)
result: 11:04
